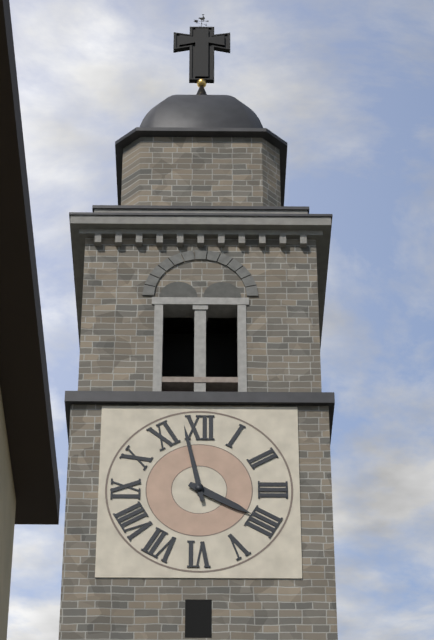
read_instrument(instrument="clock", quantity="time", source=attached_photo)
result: 3:58
